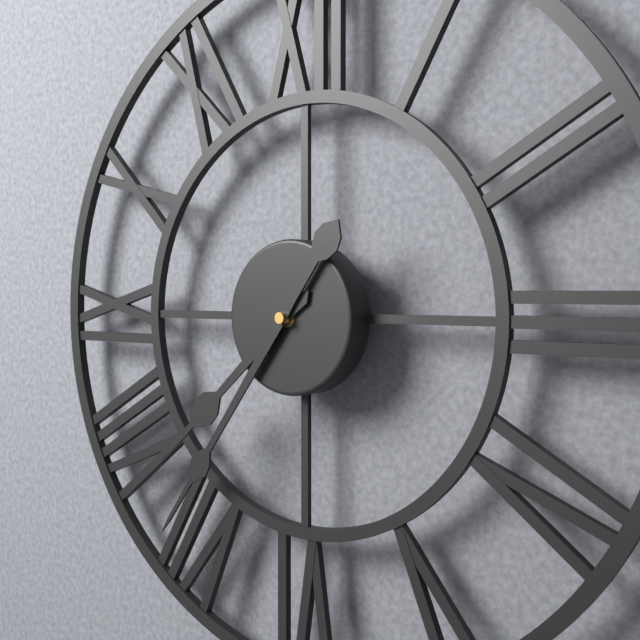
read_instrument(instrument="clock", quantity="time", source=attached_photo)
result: 7:36
